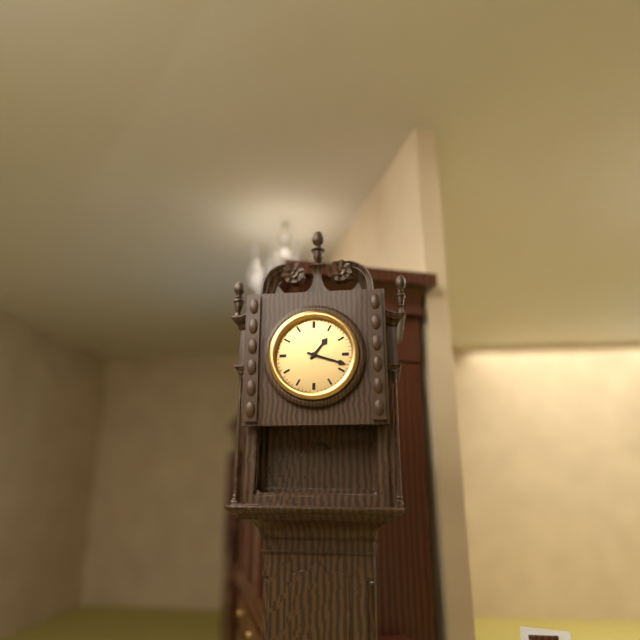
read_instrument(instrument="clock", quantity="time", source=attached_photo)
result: 1:18
